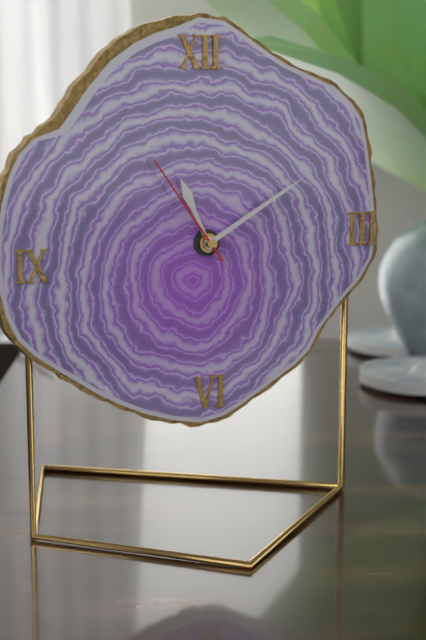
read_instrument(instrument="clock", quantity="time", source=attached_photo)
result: 11:10:54
